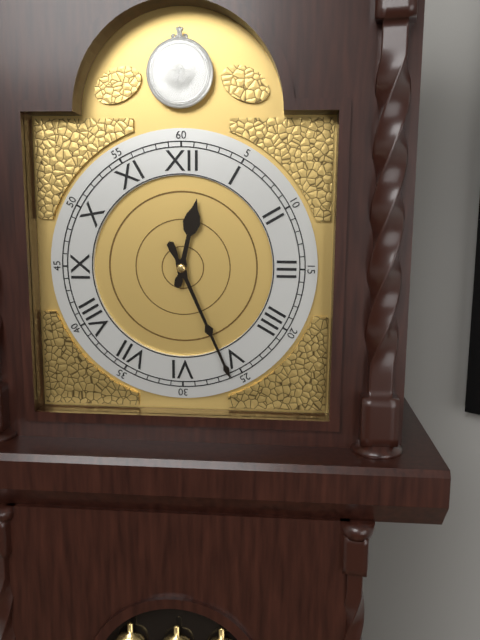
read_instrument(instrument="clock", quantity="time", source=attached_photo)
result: 12:26
